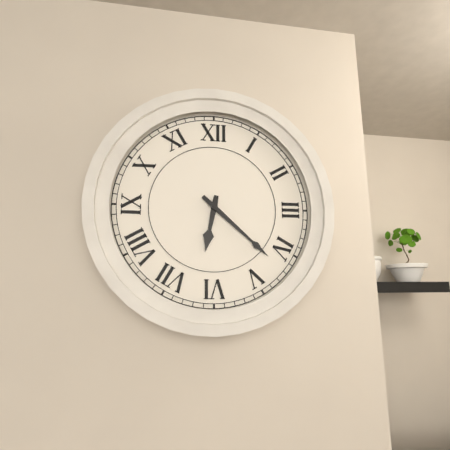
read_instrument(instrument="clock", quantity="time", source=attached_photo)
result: 6:22
